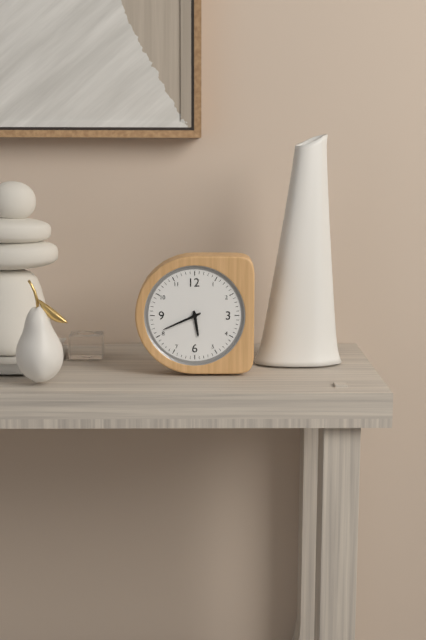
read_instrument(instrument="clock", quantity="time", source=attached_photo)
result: 5:41
